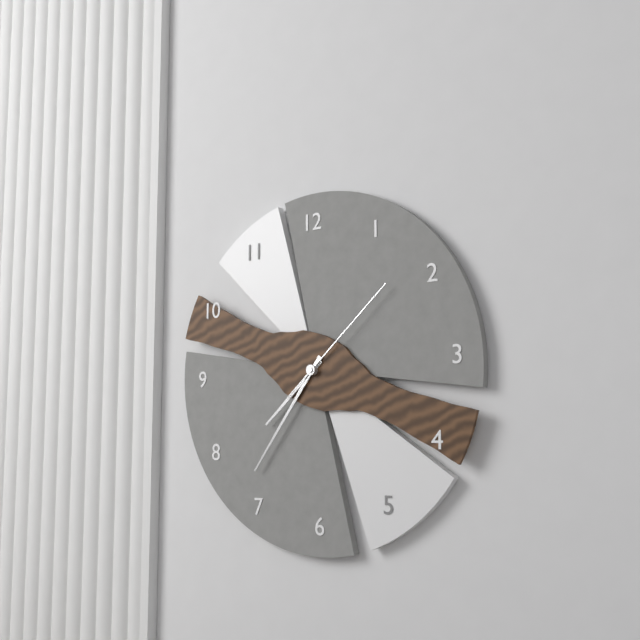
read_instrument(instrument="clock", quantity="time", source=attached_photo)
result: 7:36:08
